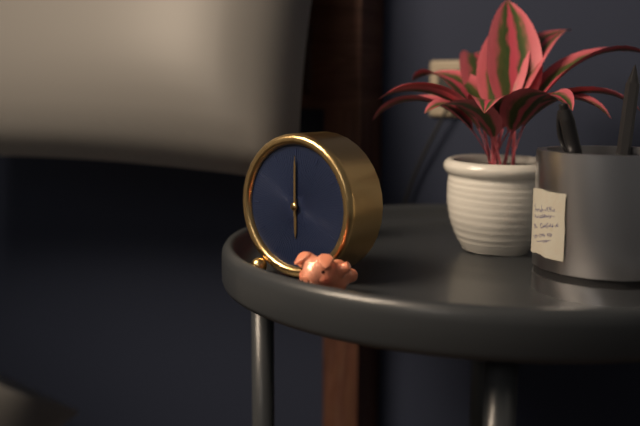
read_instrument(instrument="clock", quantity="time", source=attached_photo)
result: 6:00
